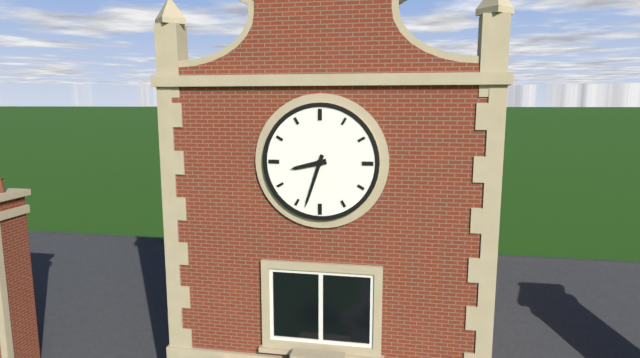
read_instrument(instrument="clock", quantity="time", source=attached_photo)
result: 8:33
